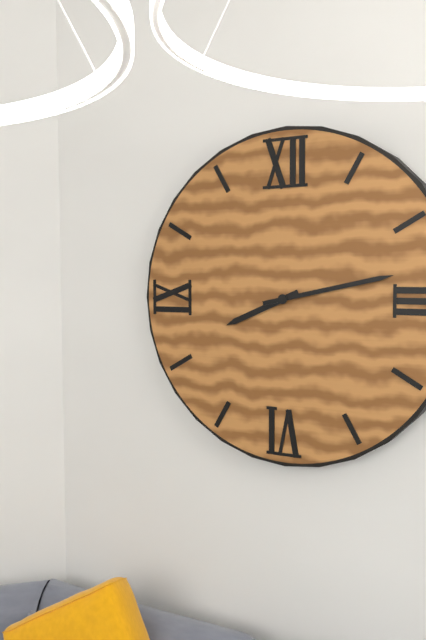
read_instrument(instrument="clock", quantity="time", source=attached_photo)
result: 8:13
